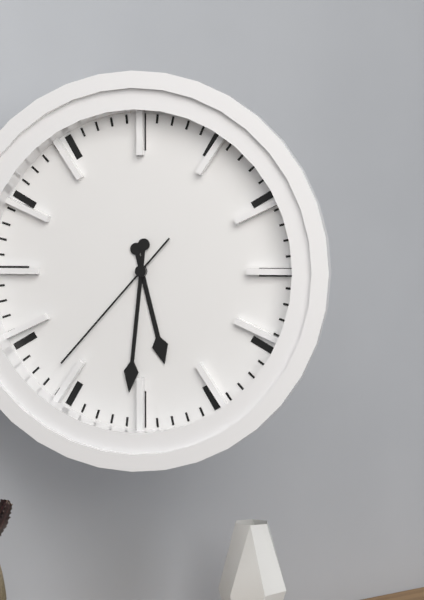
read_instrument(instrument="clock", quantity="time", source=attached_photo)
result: 5:31:37
